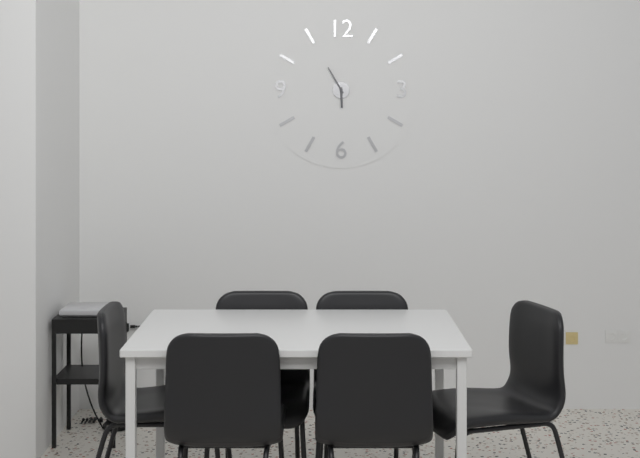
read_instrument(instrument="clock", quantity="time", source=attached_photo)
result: 5:55
